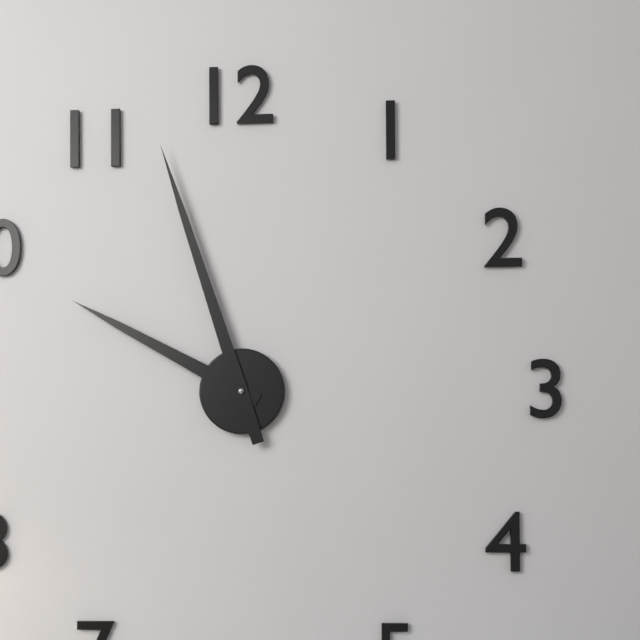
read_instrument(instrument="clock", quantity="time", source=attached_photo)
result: 9:57
